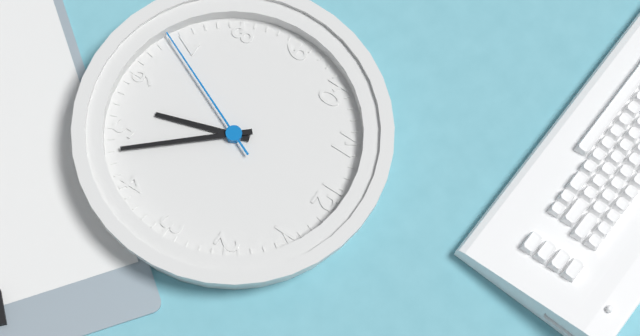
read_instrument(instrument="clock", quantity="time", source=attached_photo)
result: 5:23:34
